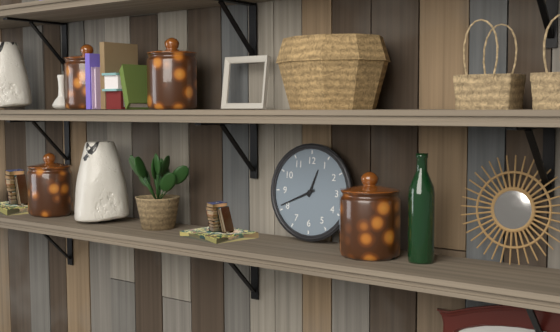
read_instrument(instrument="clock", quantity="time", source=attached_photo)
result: 12:41
